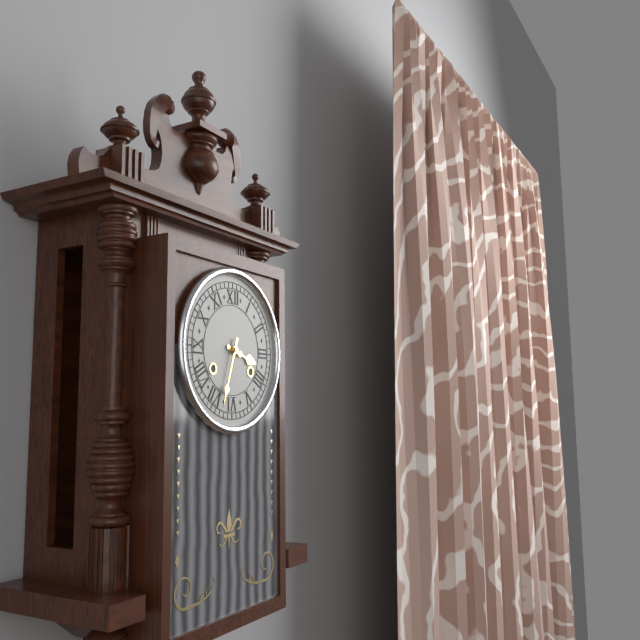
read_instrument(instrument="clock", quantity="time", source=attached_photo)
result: 3:33
